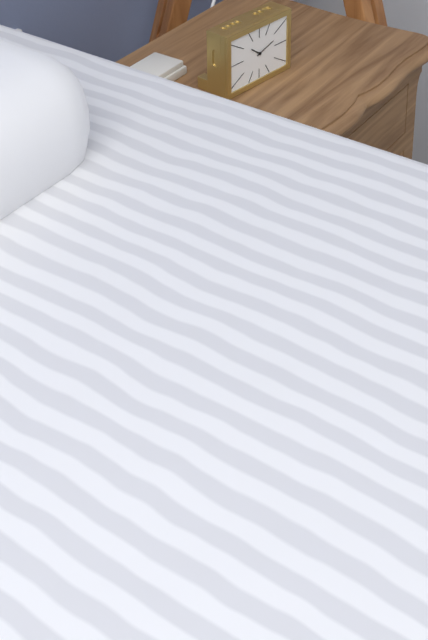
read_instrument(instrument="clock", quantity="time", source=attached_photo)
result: 10:12
